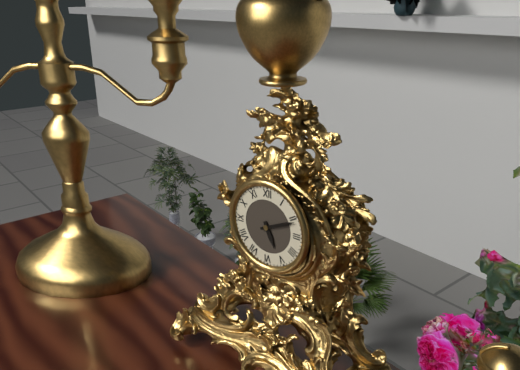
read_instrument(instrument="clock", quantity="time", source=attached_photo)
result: 5:11
